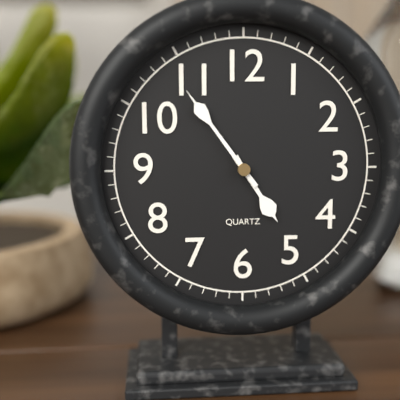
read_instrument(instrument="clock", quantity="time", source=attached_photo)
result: 4:54
